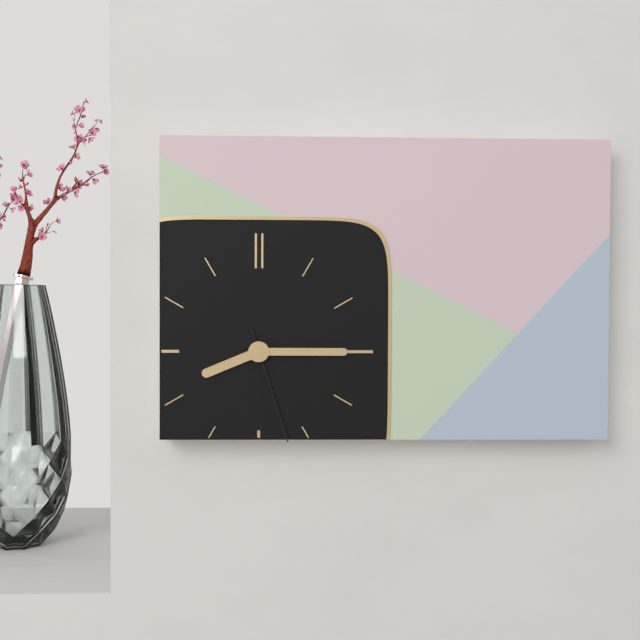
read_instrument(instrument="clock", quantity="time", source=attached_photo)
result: 8:15:27
